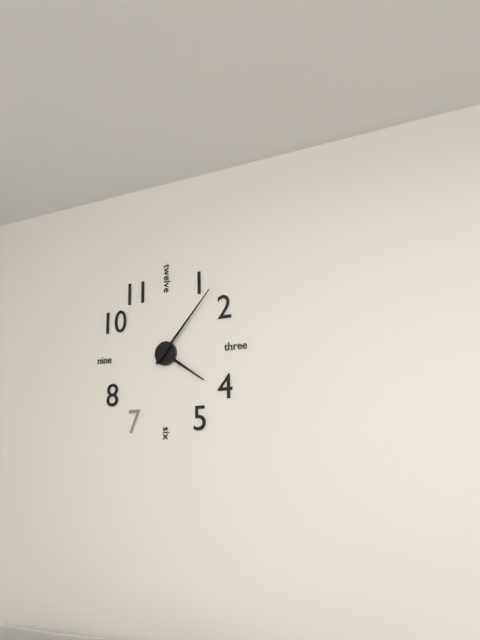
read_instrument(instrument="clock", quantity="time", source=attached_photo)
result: 4:07
